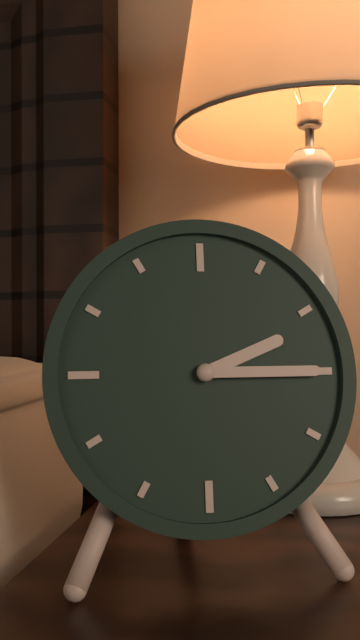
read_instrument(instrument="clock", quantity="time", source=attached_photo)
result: 2:15
